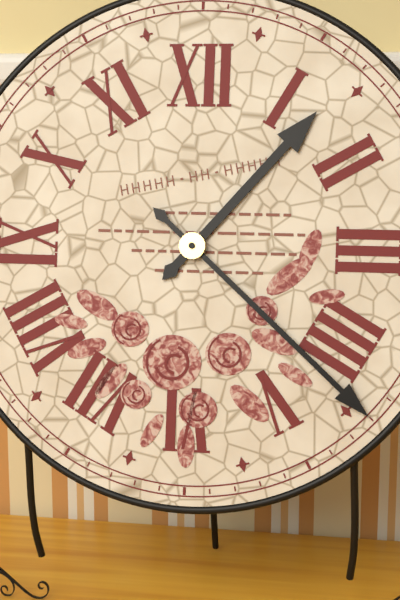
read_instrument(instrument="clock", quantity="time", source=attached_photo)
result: 1:22
